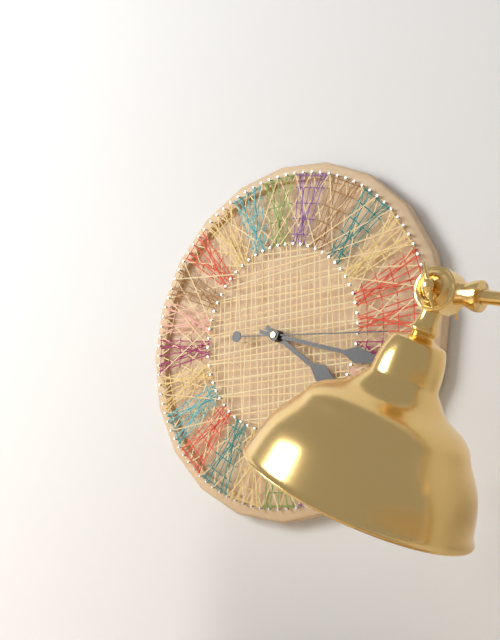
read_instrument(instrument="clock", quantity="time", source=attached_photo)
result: 4:18:16
